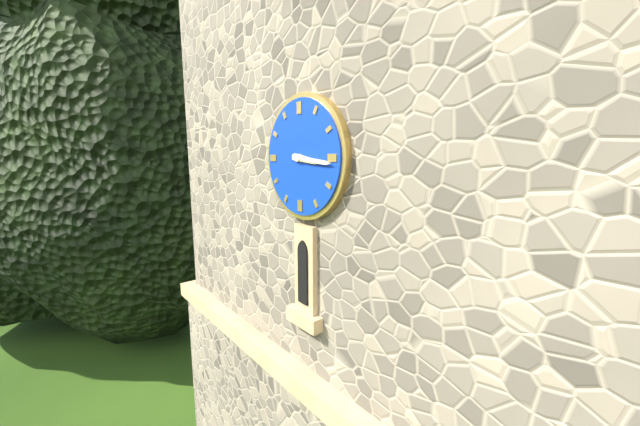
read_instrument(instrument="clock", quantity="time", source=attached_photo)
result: 3:16
